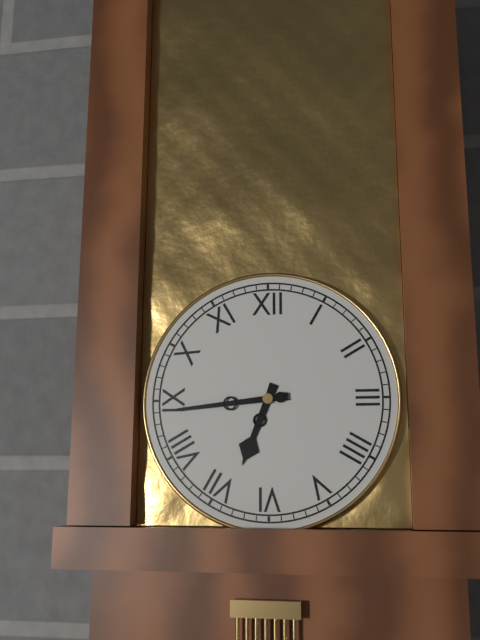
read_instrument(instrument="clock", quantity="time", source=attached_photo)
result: 6:44
